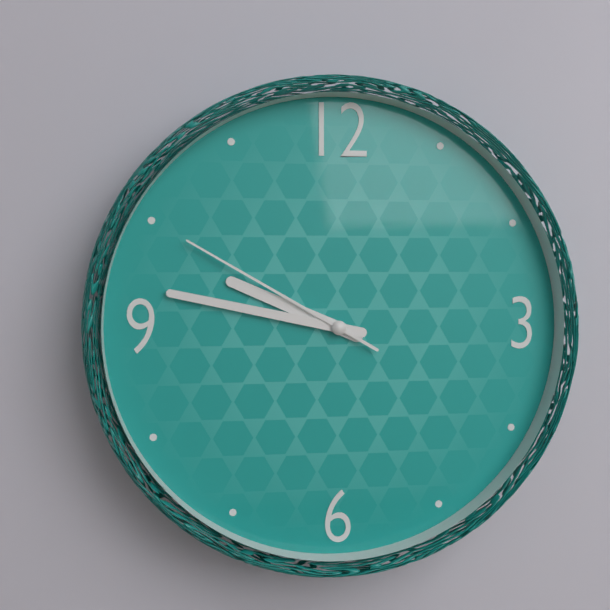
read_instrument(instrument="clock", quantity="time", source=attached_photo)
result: 9:47:50
